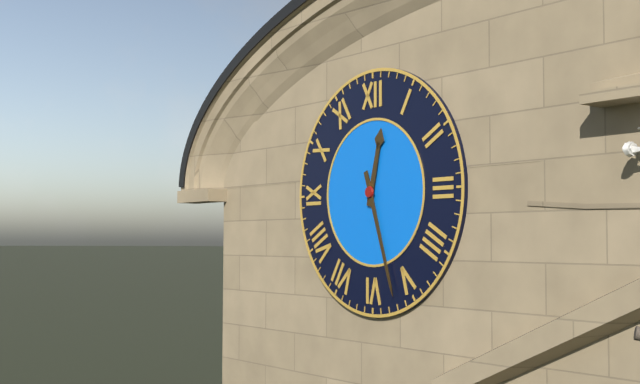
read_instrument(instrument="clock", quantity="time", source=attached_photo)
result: 12:27
